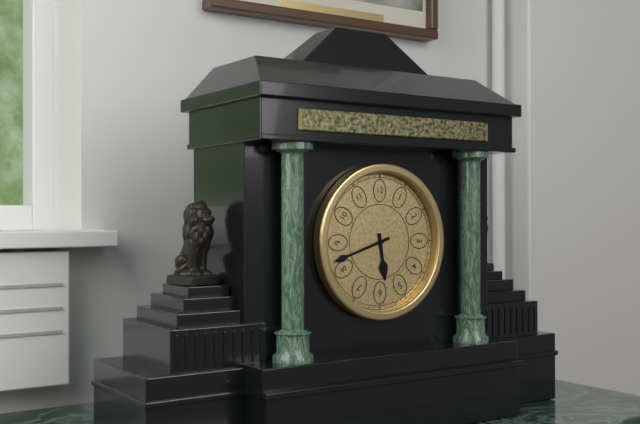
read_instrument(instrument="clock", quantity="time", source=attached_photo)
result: 5:42
